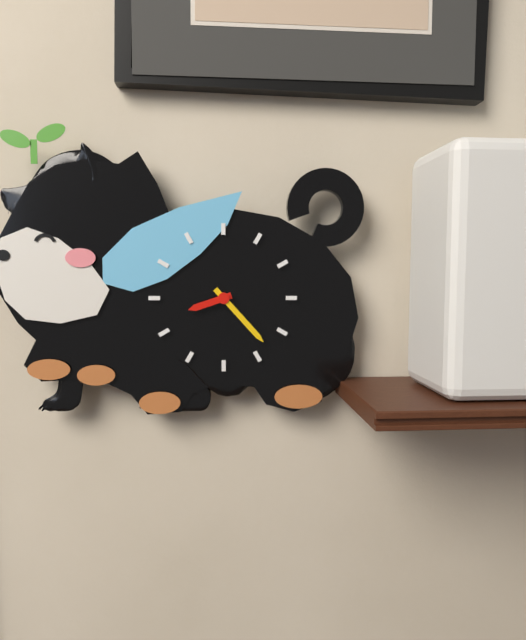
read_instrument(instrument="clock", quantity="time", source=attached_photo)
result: 8:23
